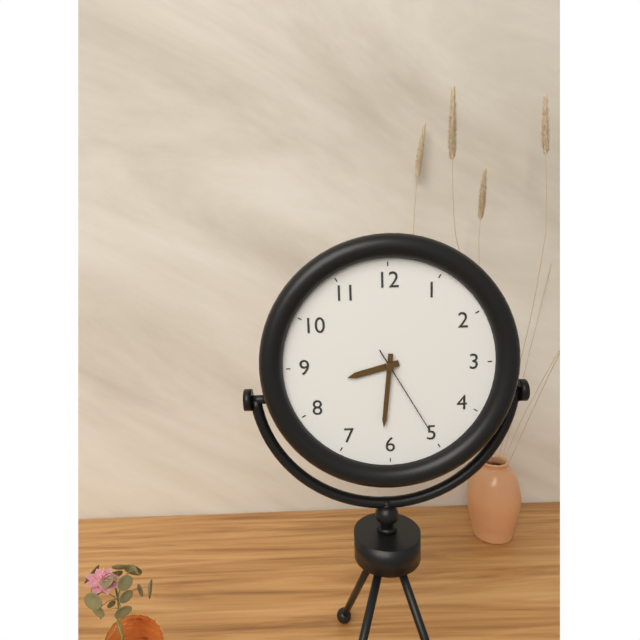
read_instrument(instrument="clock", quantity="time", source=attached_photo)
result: 8:31:25
